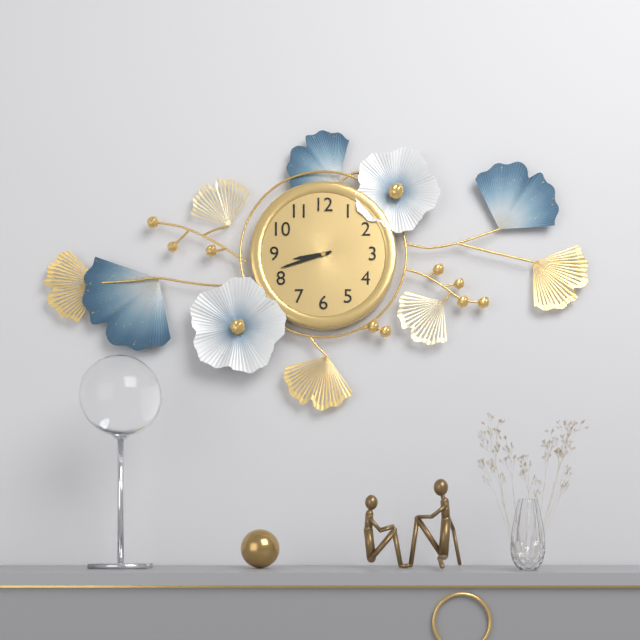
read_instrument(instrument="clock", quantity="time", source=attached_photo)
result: 8:42
